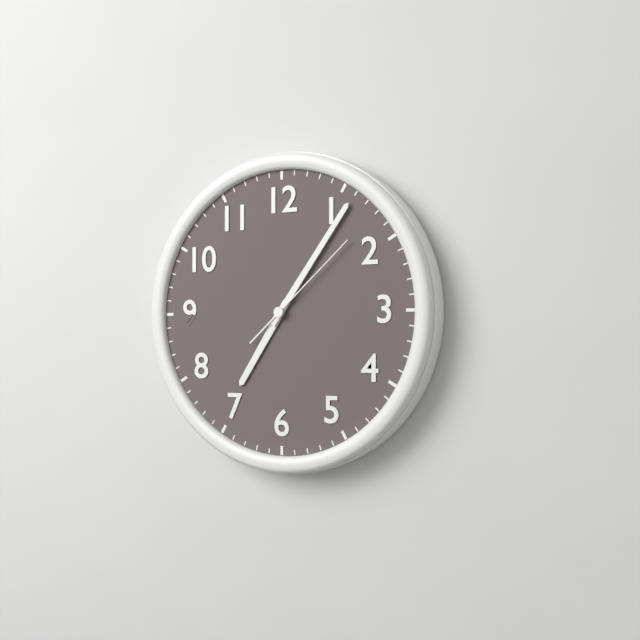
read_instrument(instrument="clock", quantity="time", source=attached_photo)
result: 7:06:08
